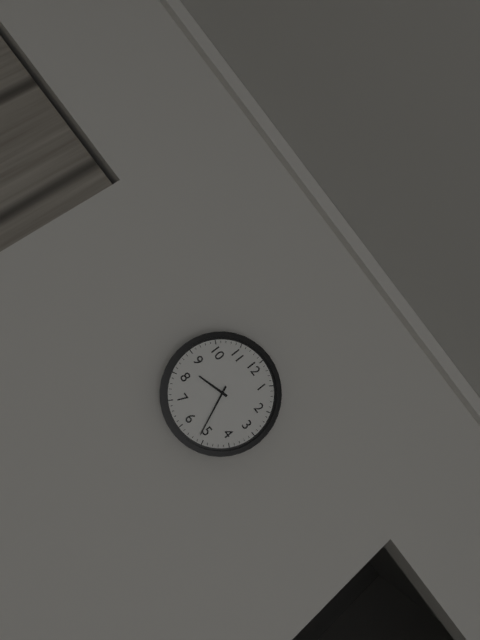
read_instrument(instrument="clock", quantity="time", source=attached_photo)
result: 8:26
